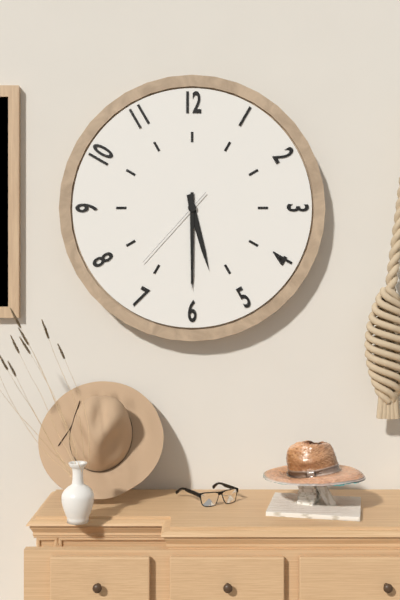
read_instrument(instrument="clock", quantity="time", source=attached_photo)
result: 5:30:37
